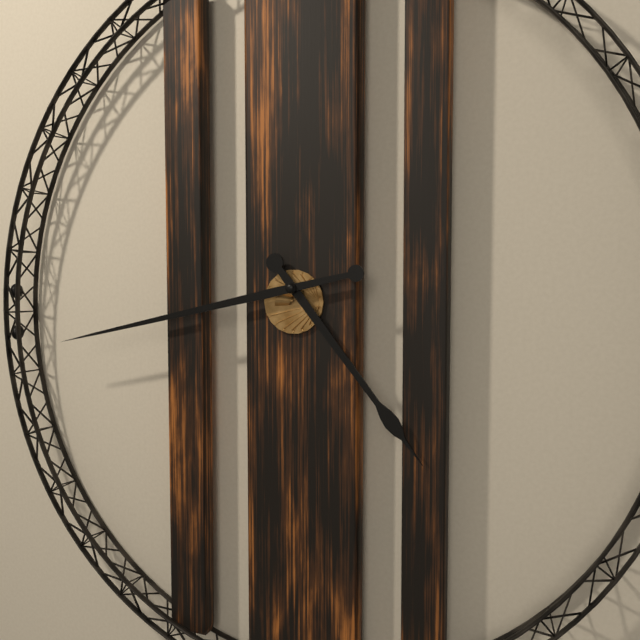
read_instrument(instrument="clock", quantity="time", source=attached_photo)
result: 4:43
